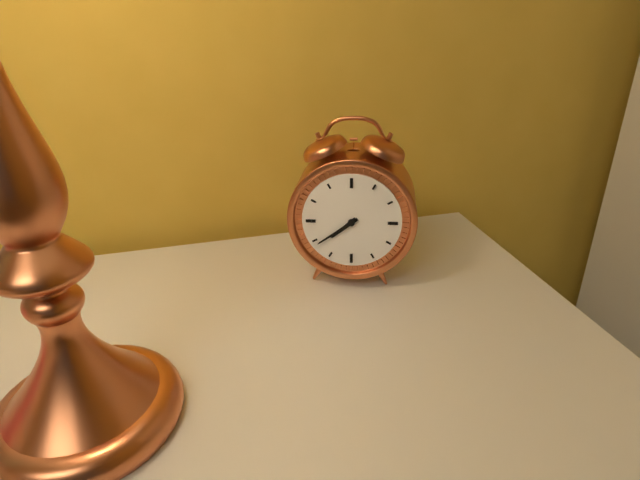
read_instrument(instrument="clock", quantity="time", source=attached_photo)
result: 7:39
